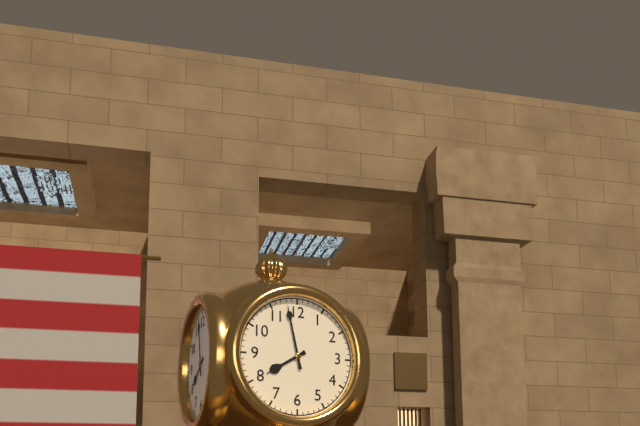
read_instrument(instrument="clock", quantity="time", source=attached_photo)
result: 7:58
